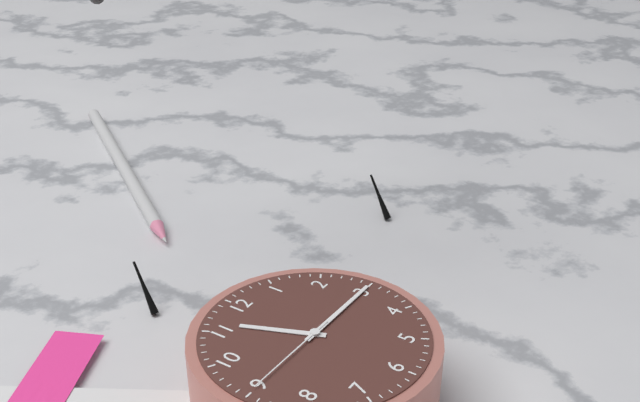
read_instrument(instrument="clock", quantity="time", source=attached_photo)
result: 11:15:45
